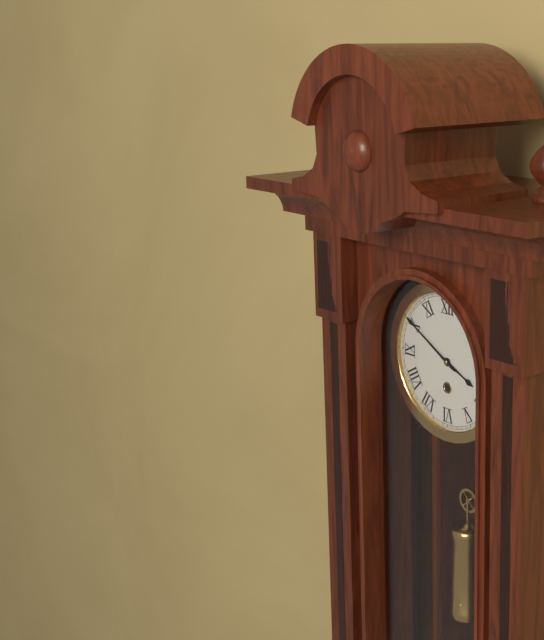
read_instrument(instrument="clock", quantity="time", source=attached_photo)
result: 3:50
